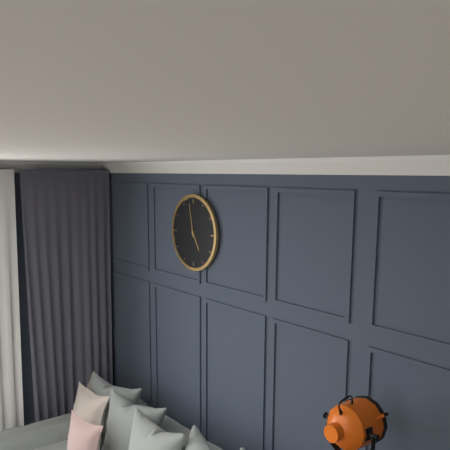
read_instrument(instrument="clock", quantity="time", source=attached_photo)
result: 4:58
